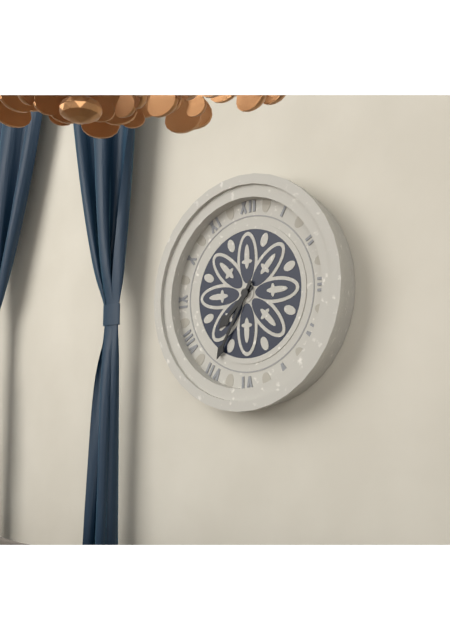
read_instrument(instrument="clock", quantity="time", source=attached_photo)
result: 7:35
